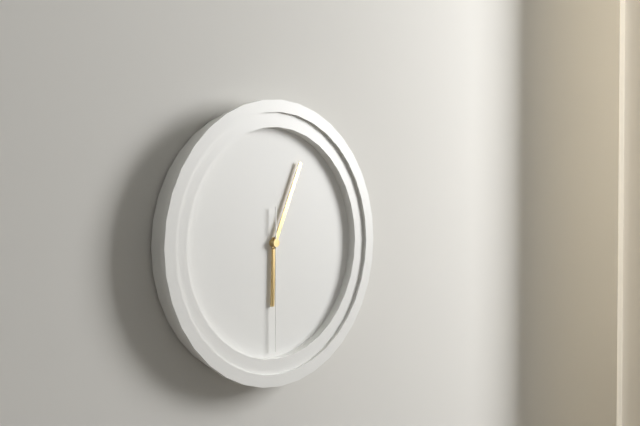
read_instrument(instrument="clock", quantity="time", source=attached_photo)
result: 6:04:30
